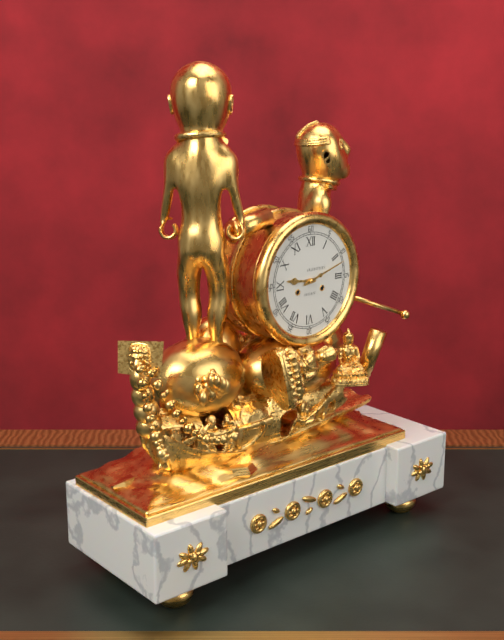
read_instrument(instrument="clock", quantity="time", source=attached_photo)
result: 9:12
